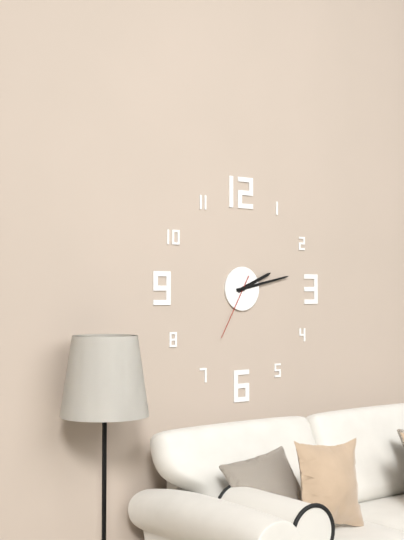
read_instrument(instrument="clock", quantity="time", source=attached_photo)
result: 2:13:35
